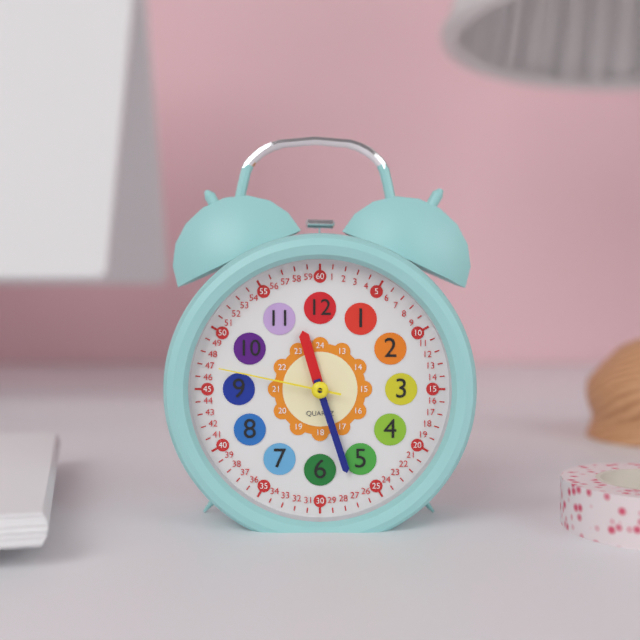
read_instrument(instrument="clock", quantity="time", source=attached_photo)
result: 11:27:47
